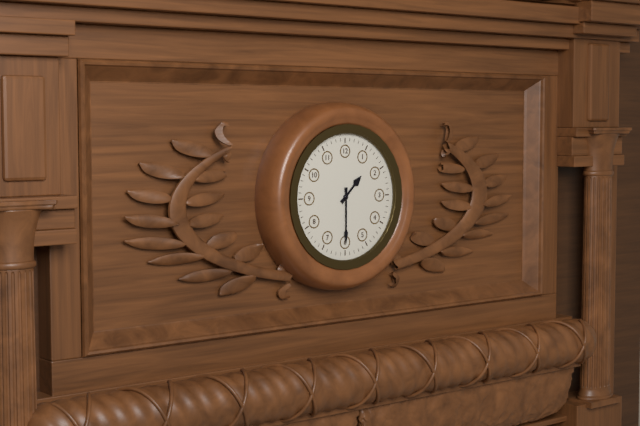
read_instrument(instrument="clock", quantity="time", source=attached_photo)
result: 1:30
